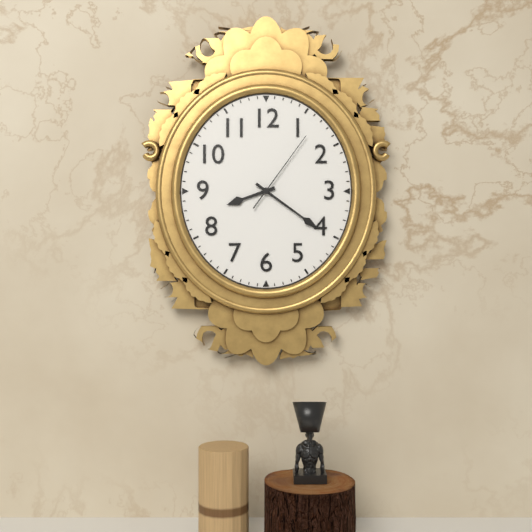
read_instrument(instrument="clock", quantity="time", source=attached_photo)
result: 8:21:06
